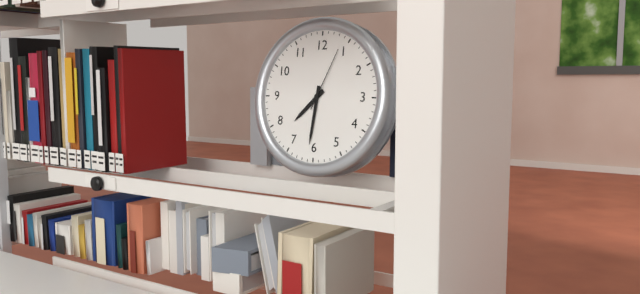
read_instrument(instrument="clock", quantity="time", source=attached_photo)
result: 7:31:04
